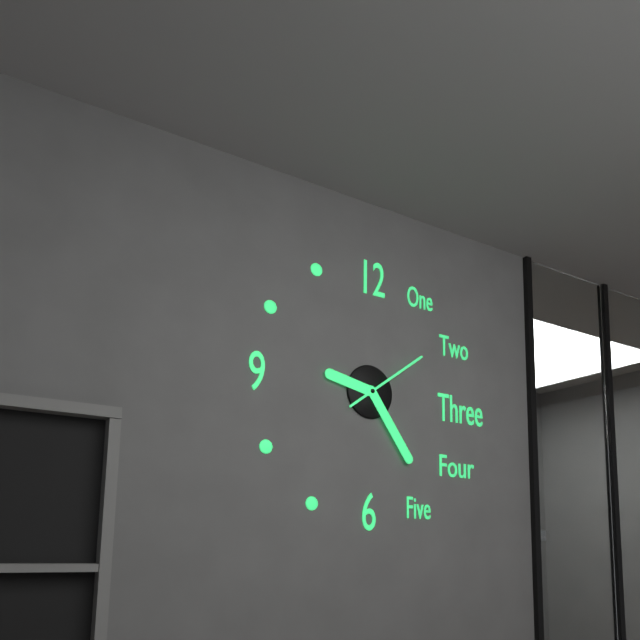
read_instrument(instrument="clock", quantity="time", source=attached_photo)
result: 9:24:09
